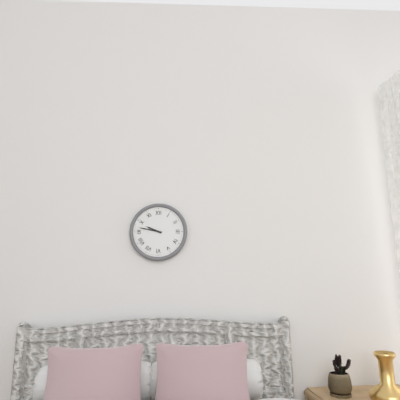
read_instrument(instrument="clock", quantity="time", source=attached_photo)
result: 9:47
